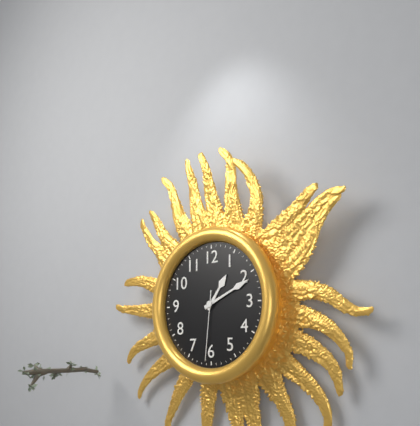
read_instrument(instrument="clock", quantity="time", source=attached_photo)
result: 1:11:31
